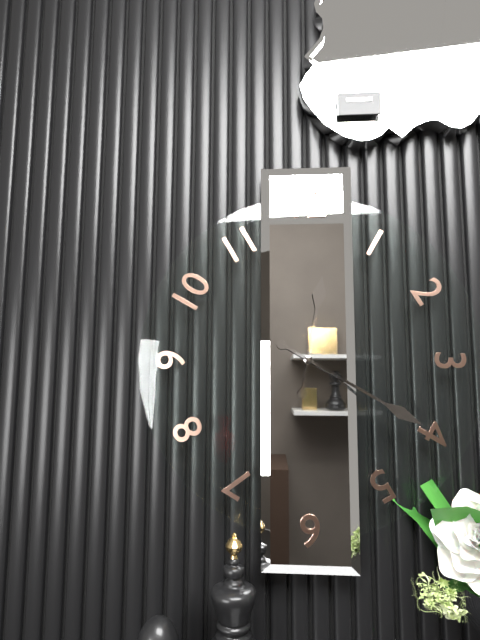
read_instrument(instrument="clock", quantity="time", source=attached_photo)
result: 12:20
